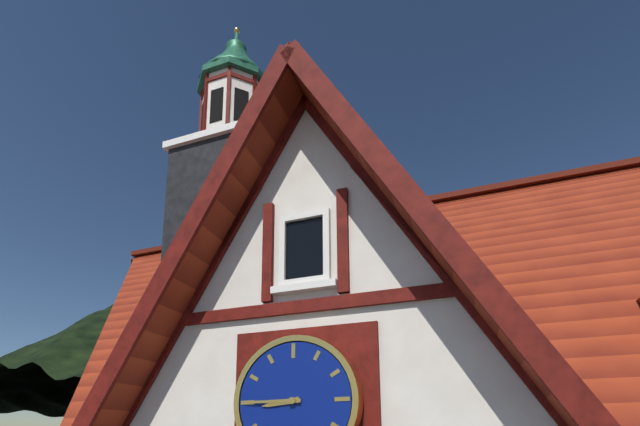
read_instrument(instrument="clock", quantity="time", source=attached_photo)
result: 8:45
